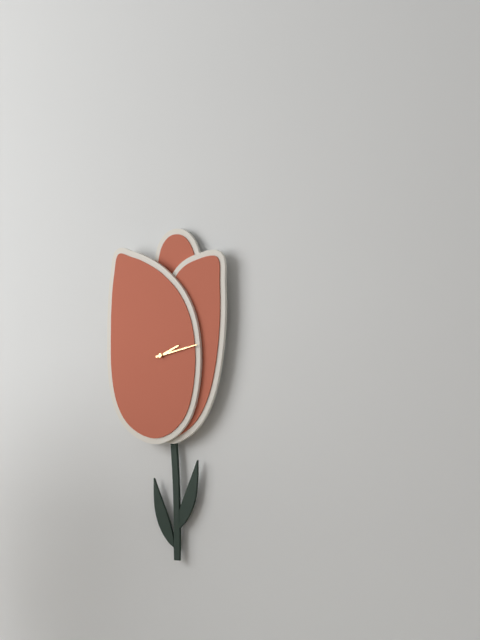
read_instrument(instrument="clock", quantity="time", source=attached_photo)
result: 2:13
